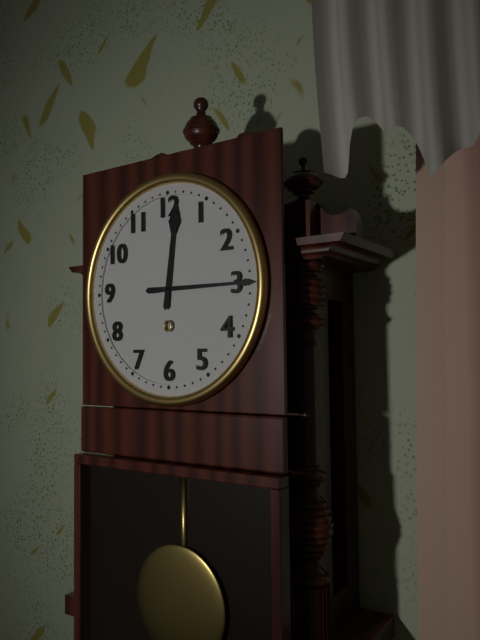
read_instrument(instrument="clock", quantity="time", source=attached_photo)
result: 12:15
